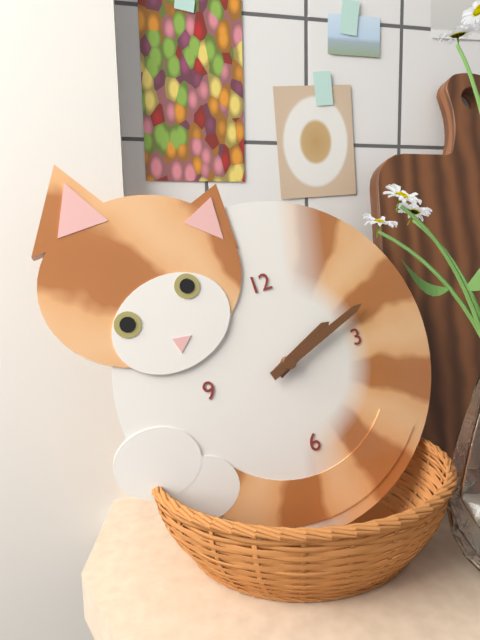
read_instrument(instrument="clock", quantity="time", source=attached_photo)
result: 2:12
